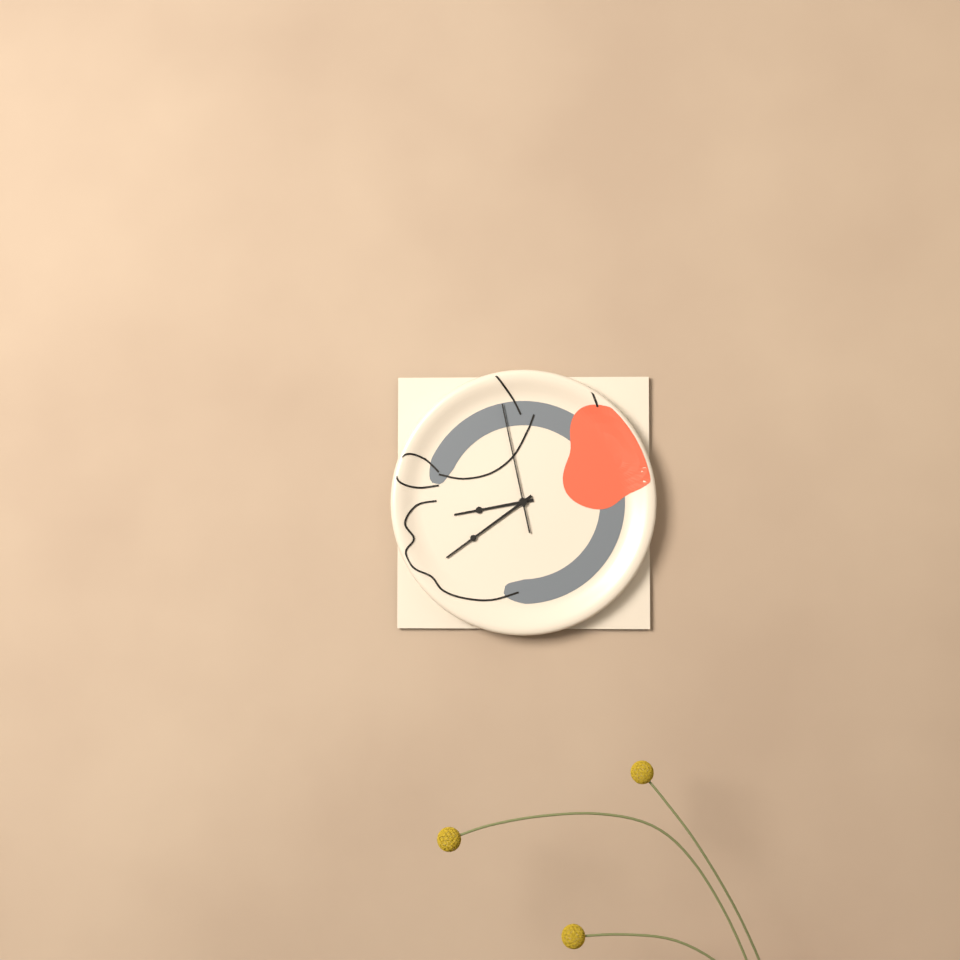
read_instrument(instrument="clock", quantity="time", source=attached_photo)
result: 8:39:58
